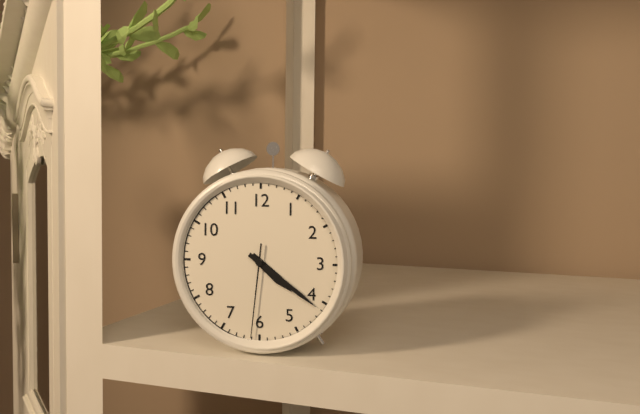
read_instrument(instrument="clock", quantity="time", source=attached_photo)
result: 4:21:31
